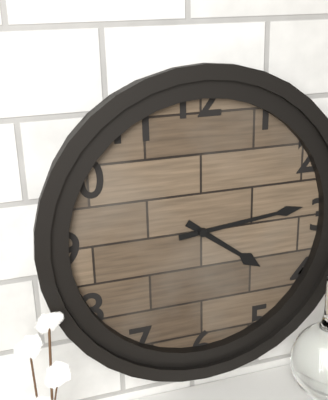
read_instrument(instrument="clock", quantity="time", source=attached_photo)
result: 4:14
